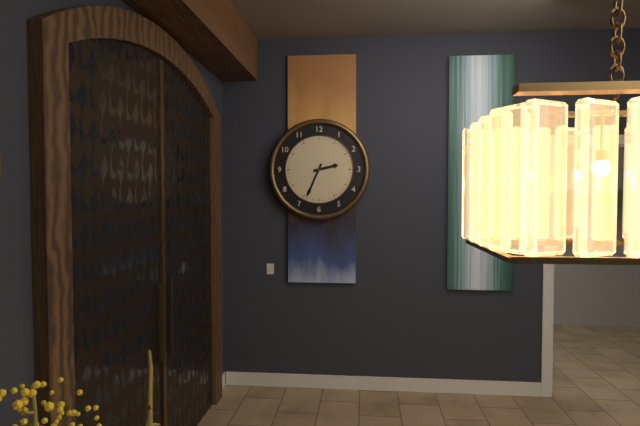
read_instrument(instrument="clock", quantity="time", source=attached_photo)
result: 2:34
